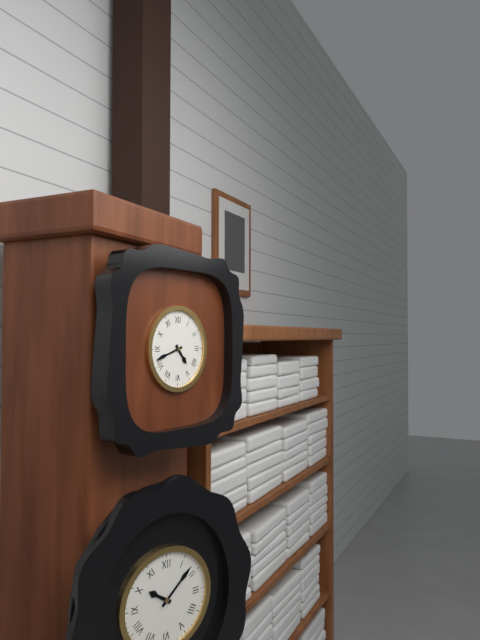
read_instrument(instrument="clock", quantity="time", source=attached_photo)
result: 4:42
